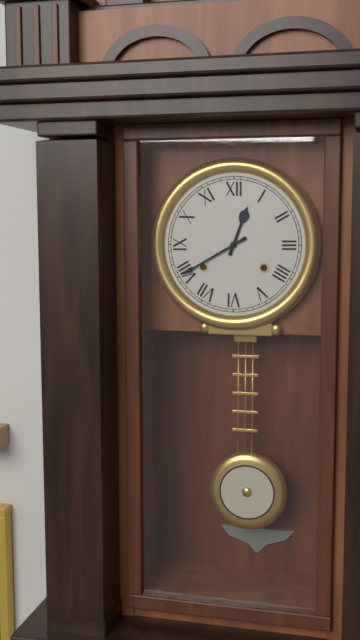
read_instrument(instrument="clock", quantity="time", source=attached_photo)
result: 12:40
